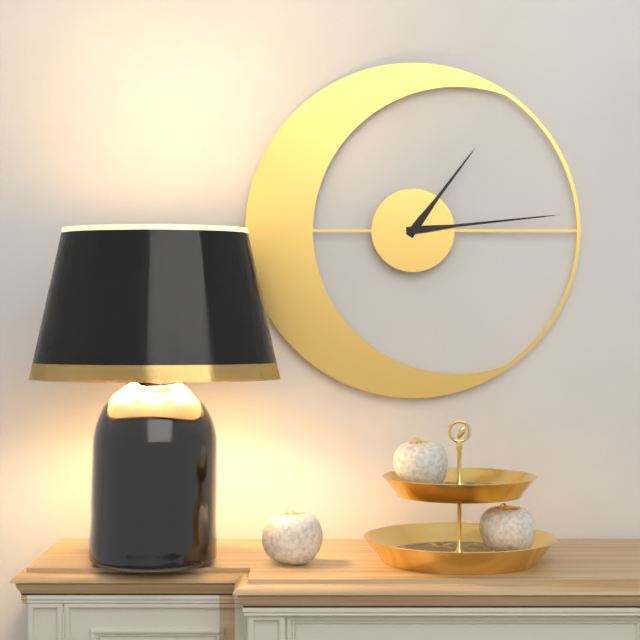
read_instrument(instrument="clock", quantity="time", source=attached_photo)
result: 1:14
